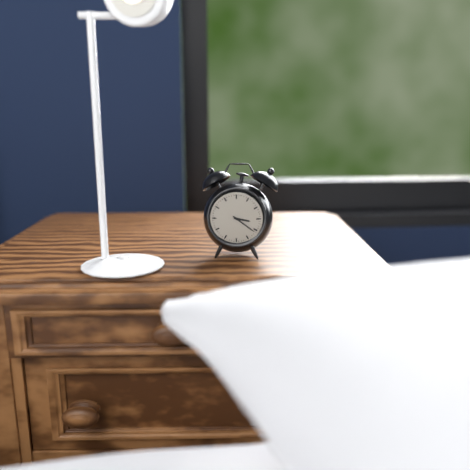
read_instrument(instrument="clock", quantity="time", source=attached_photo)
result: 3:21
